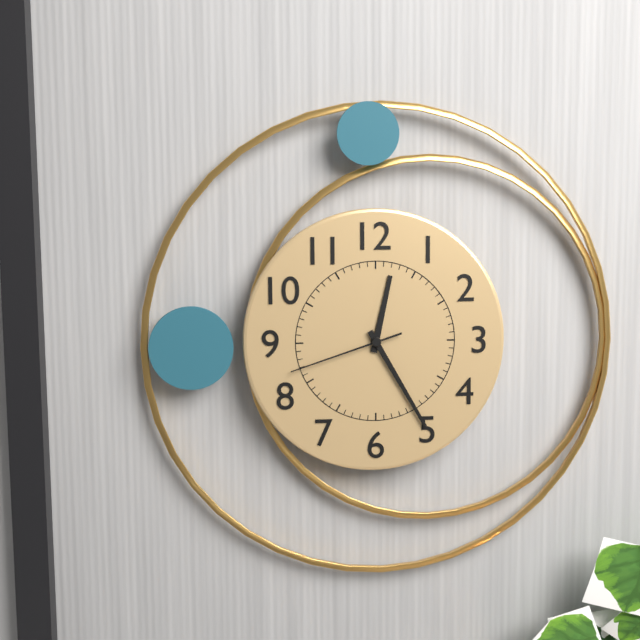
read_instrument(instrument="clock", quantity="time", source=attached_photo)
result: 12:25:42
